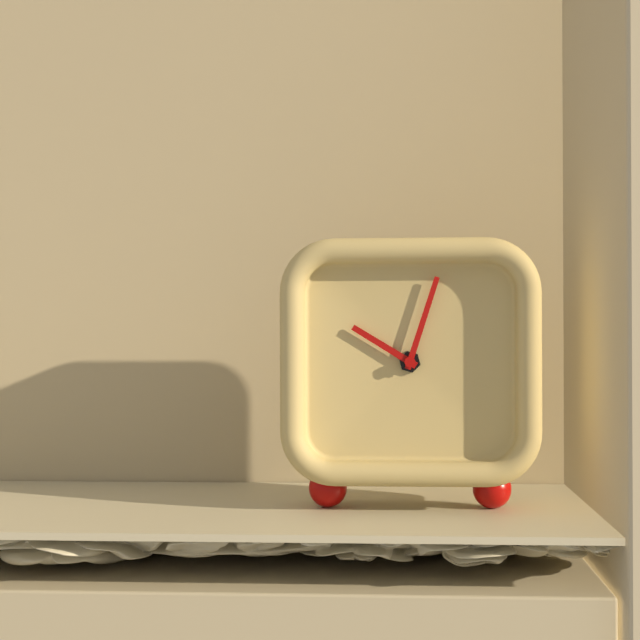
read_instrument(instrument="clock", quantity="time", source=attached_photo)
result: 10:03
